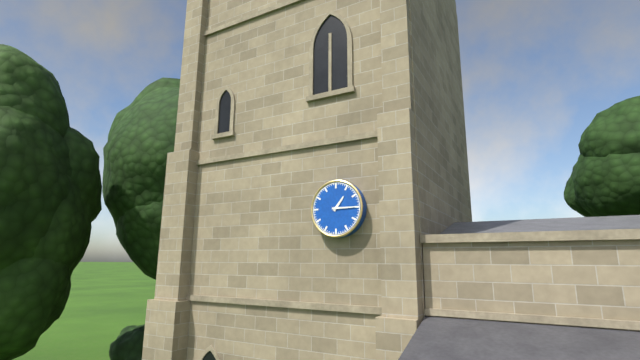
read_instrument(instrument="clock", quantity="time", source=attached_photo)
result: 1:15
